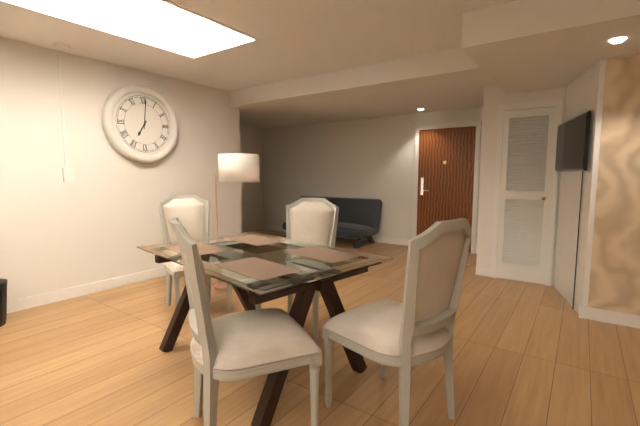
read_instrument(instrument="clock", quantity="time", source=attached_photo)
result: 7:01
